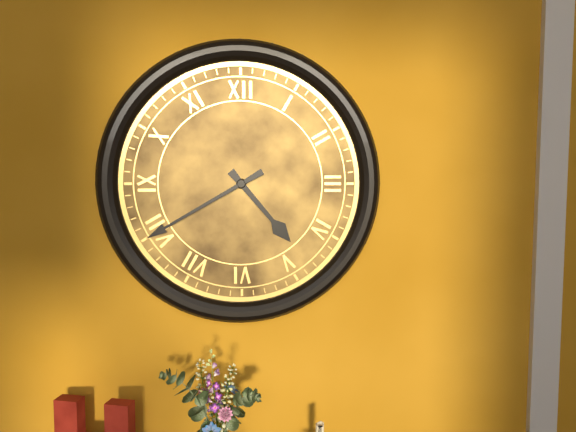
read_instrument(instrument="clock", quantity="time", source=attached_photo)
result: 4:40
